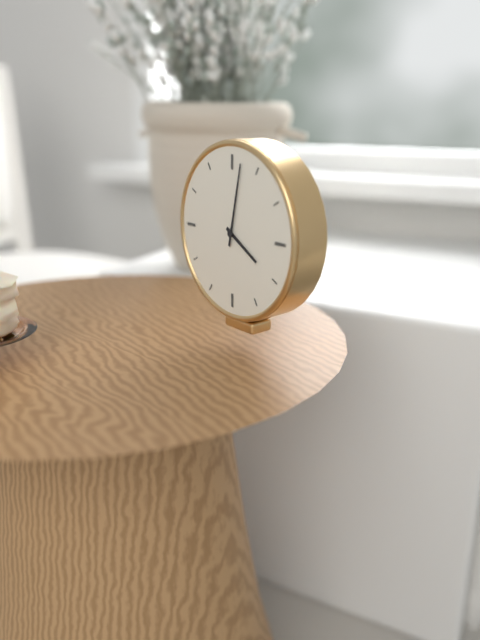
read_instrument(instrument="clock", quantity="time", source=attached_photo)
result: 4:02
